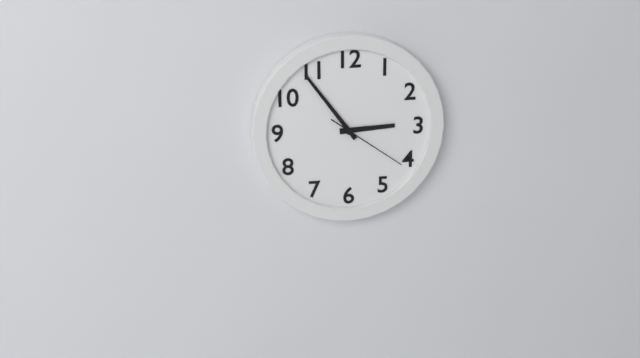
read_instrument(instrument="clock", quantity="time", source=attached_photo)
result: 2:54:21
